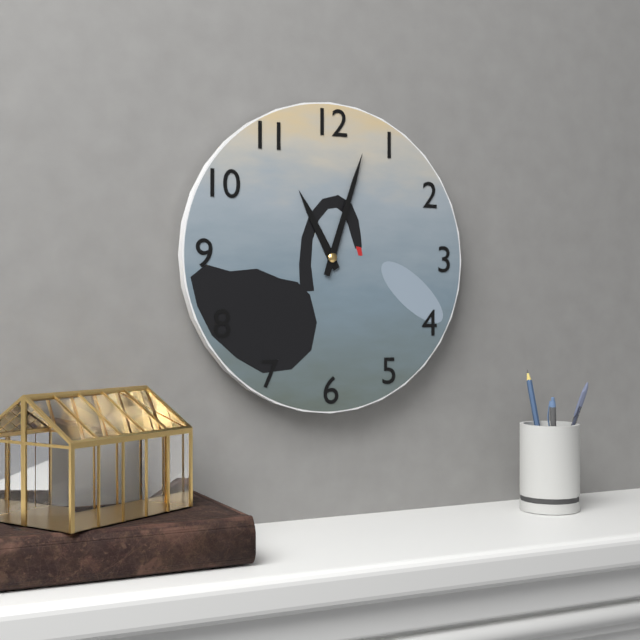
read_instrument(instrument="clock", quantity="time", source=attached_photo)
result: 11:03
